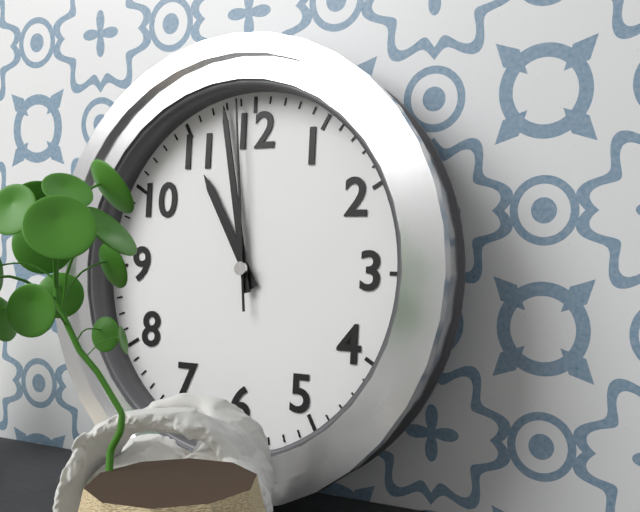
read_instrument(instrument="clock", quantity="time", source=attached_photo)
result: 10:58:59
